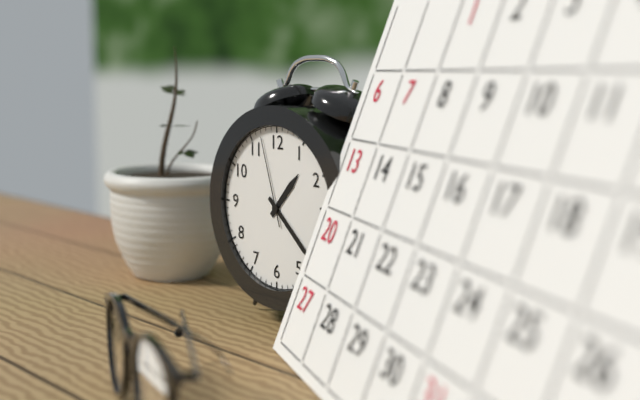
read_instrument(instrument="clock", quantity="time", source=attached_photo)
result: 1:22:57
